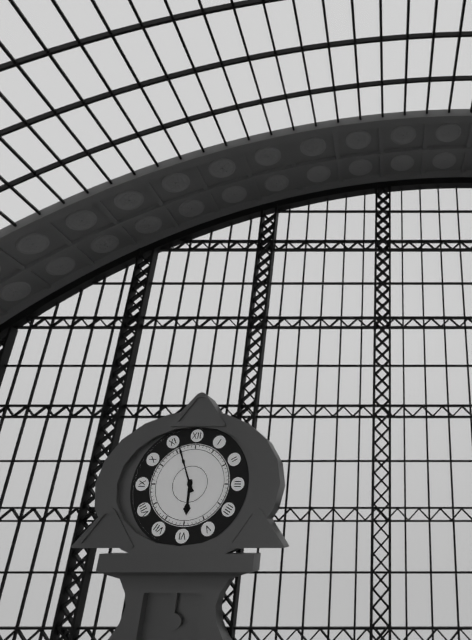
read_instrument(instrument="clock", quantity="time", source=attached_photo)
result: 5:56
